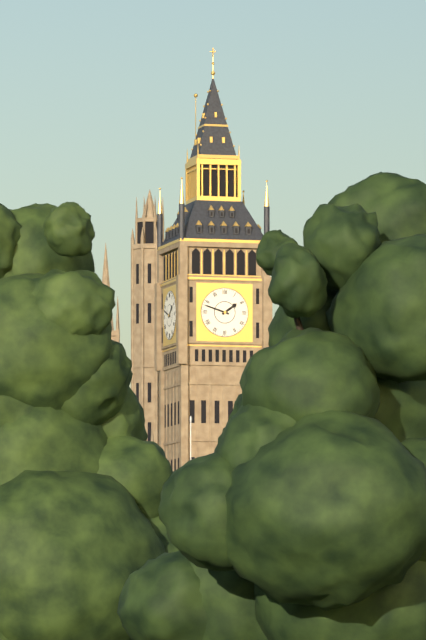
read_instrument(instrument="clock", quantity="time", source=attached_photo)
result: 1:48
